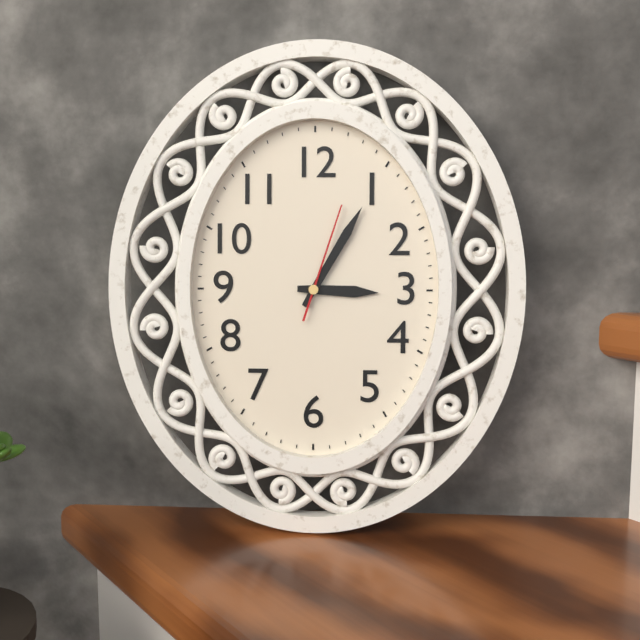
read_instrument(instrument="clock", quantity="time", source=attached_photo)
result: 3:05:03
